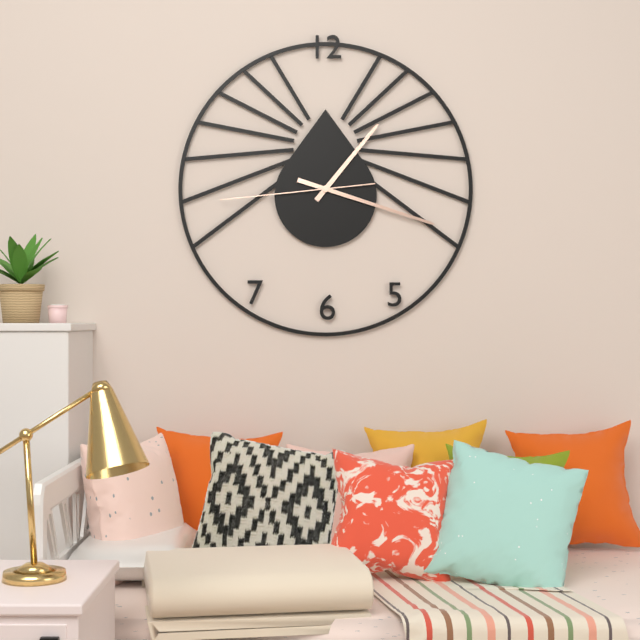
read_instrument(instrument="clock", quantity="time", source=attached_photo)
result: 1:18:44
